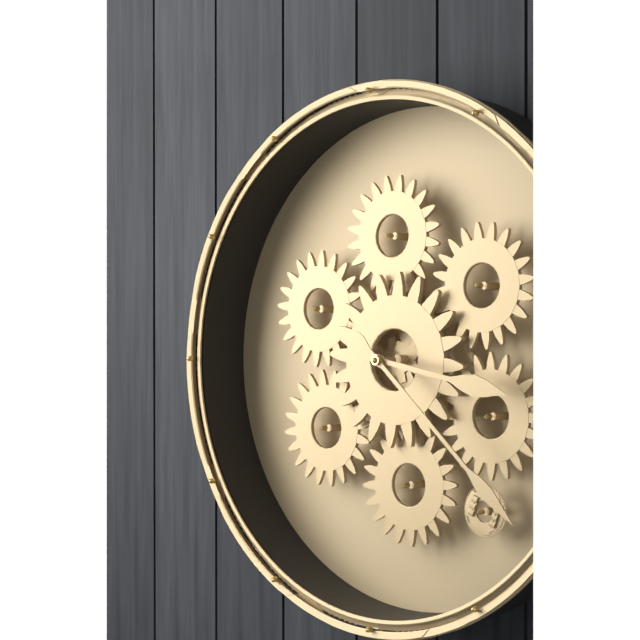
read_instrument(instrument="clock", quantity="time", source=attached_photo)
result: 3:22
